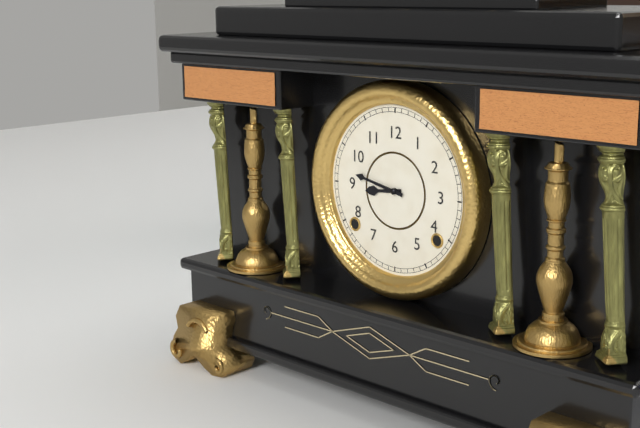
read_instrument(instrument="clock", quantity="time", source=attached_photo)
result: 8:47
